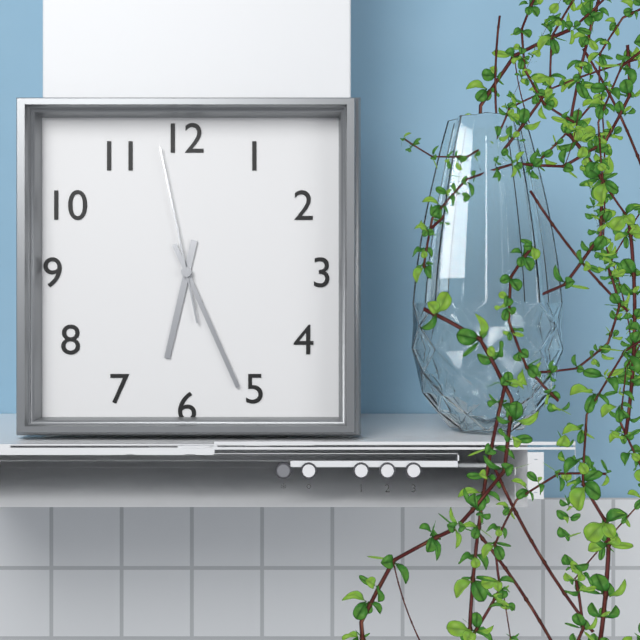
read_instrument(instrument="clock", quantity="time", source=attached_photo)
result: 6:26:58
